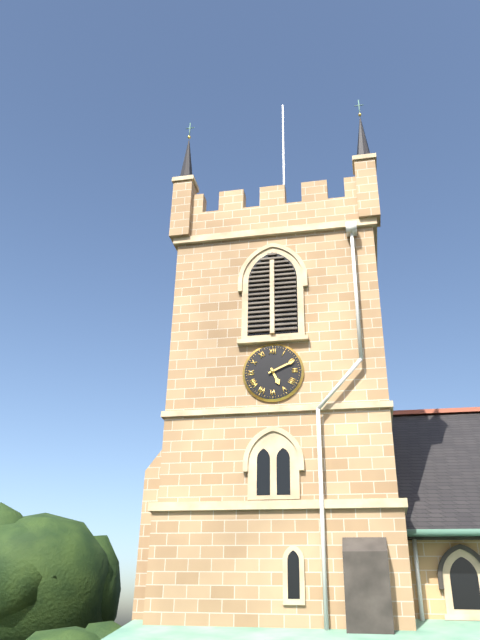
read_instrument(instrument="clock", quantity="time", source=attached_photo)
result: 5:11
